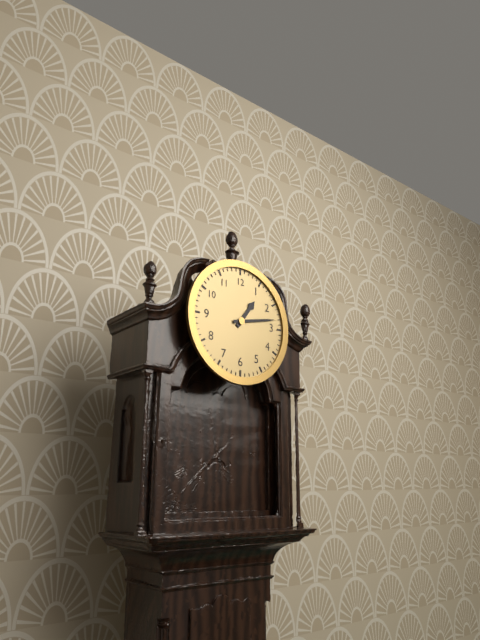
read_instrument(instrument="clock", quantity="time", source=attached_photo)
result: 1:13
